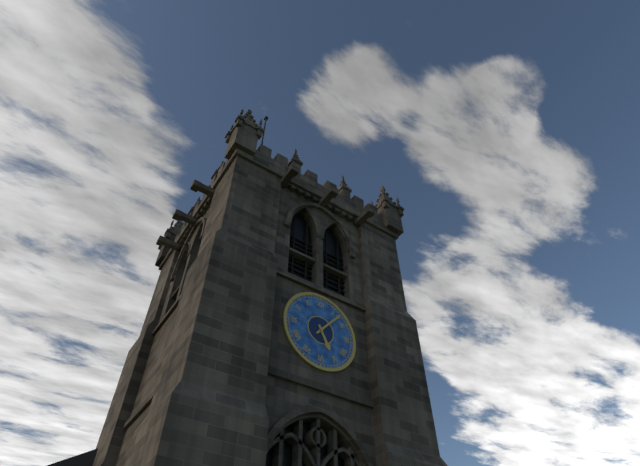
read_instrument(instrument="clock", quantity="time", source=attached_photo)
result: 5:07
